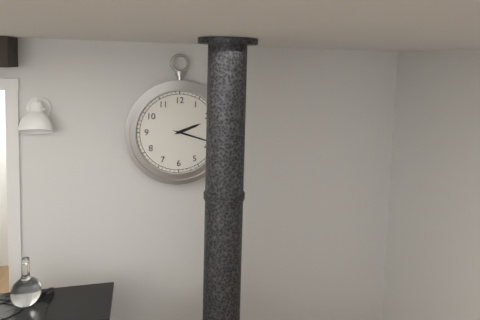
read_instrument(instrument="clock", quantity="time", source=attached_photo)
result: 2:18
